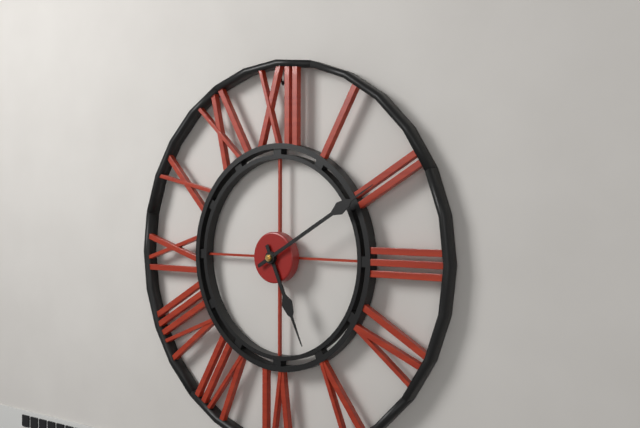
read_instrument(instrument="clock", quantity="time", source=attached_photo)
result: 5:10
